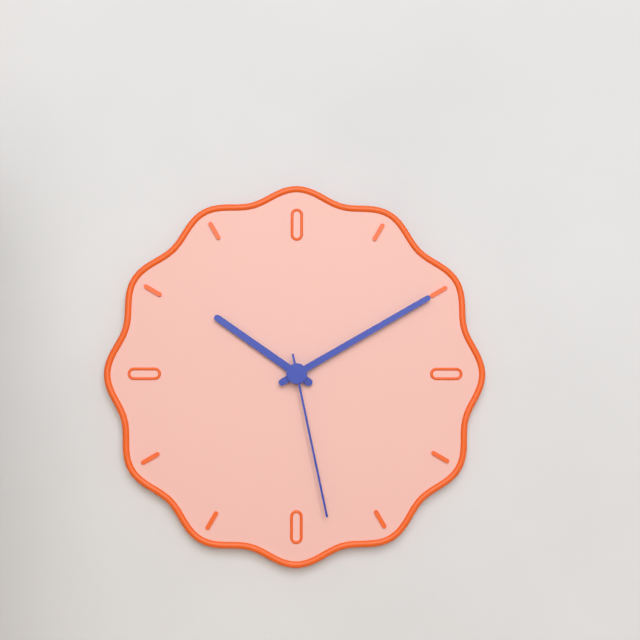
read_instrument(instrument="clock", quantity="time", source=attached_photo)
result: 10:10:28
